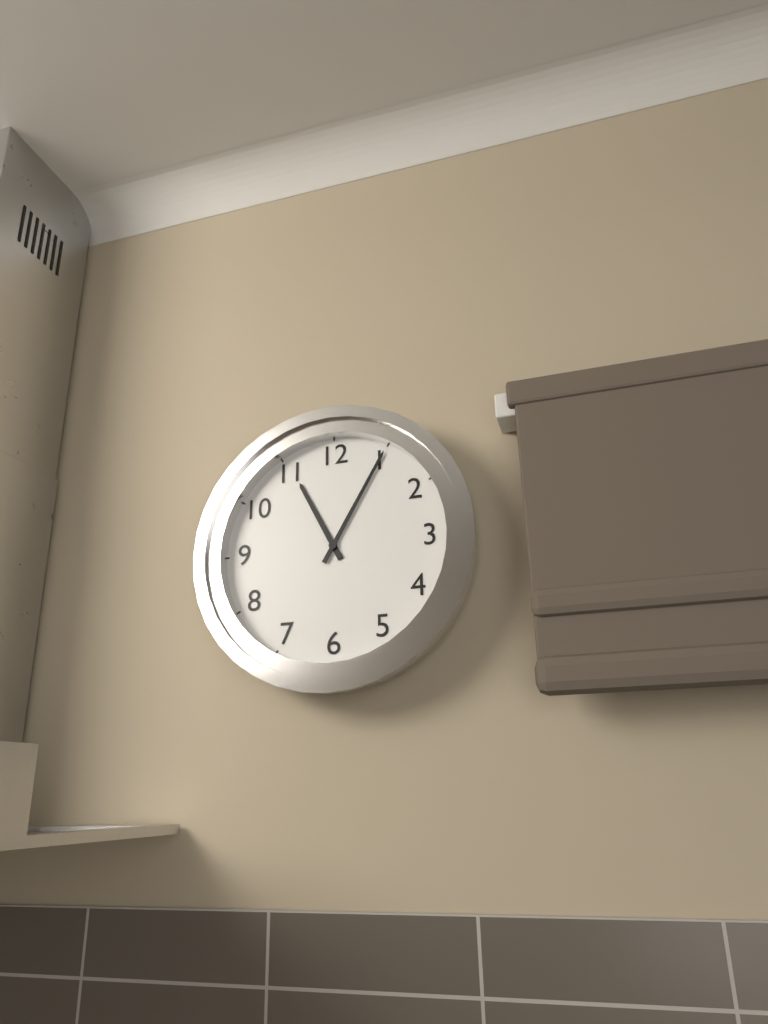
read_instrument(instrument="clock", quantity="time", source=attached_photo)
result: 11:05
